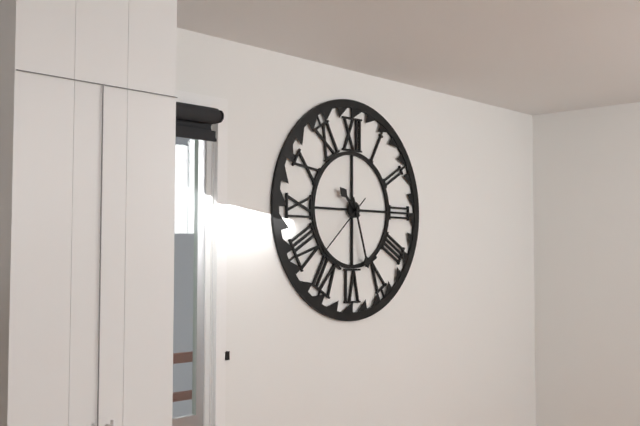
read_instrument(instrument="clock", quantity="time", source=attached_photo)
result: 10:27:38
